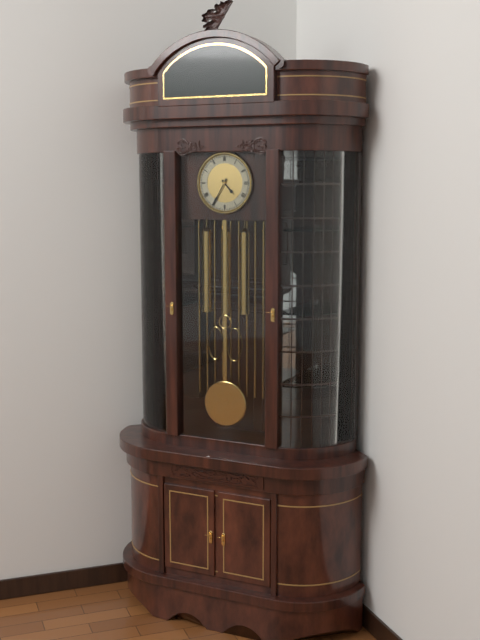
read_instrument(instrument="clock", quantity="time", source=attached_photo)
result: 4:35
